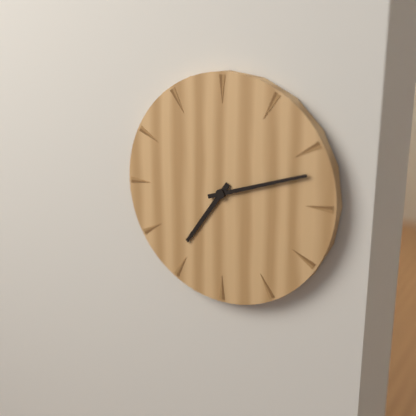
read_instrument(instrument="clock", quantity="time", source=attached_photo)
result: 7:12
